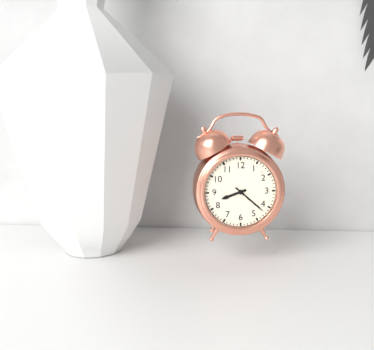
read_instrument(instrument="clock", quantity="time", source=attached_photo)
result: 8:22
